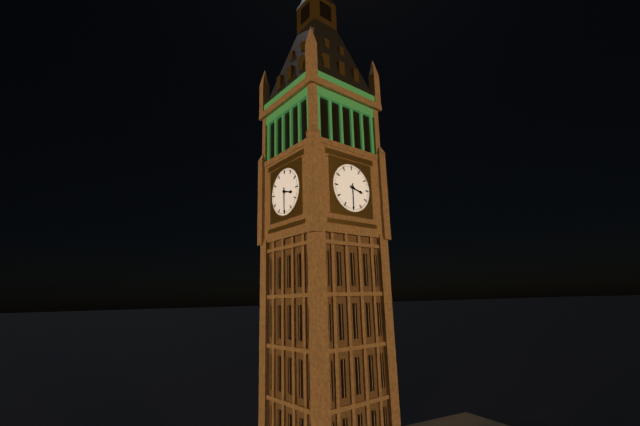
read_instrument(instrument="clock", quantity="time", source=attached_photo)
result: 3:30
